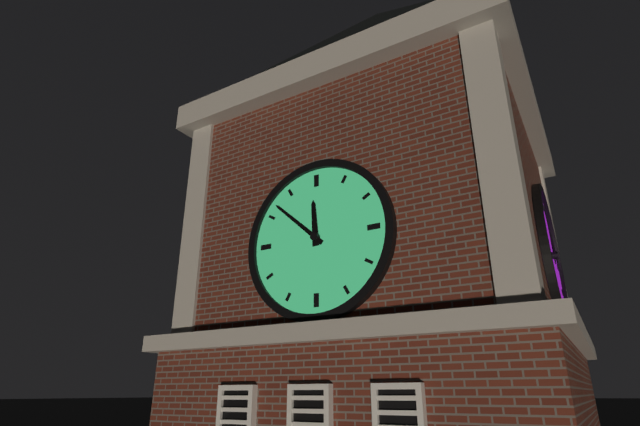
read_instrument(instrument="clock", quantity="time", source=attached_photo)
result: 11:52
